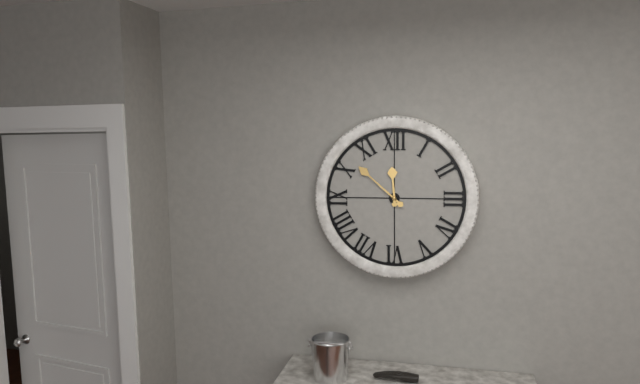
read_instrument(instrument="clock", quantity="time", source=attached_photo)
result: 11:52
